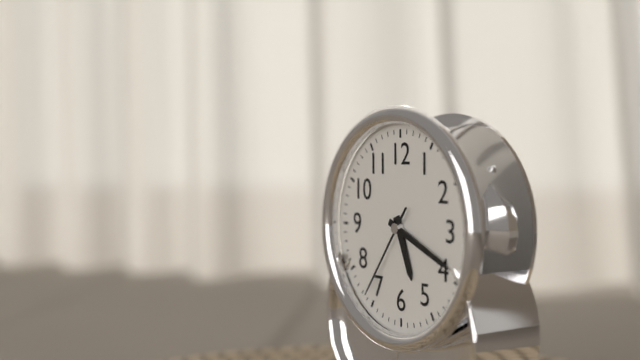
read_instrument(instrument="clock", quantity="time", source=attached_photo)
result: 5:19:36
